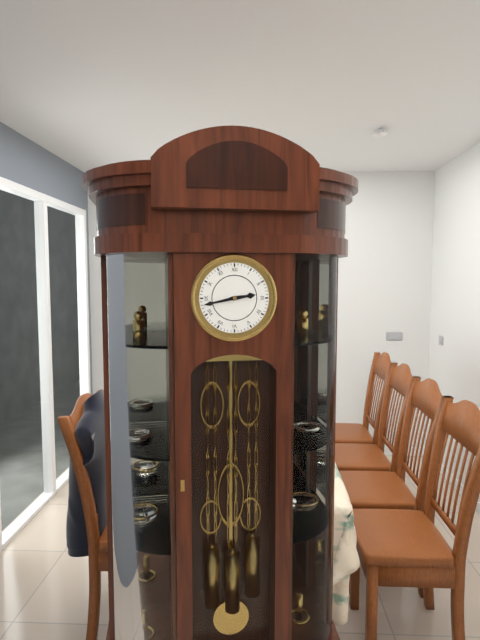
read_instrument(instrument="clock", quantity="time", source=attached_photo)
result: 2:43
